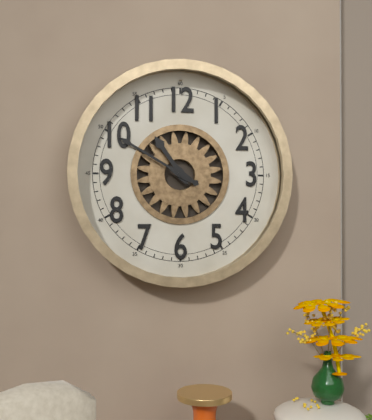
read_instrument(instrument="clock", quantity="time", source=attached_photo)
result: 10:50
